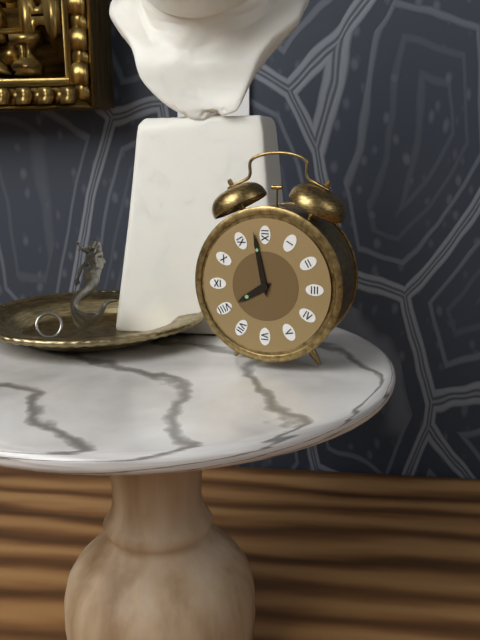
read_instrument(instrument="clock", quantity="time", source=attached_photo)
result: 7:58
